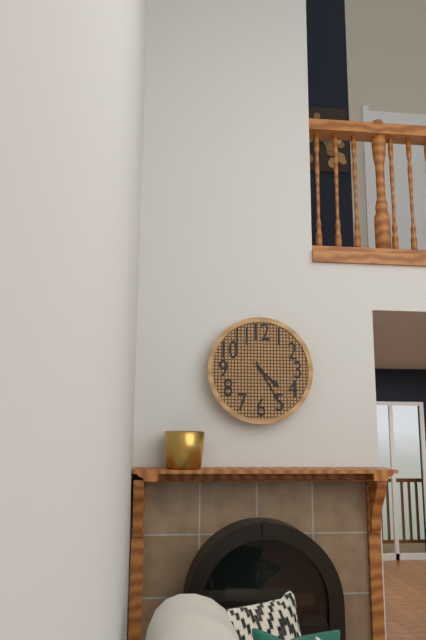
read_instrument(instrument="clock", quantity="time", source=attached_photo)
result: 4:25
